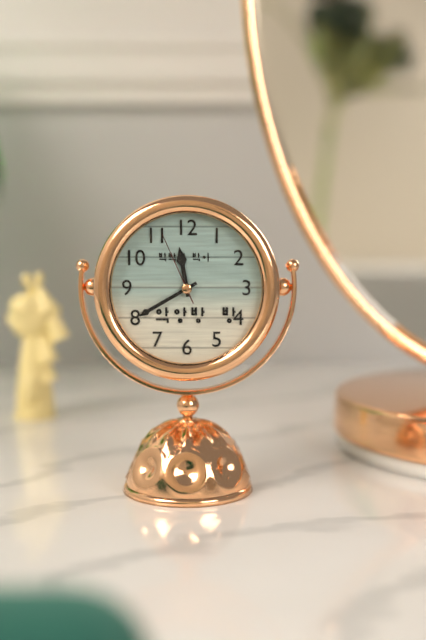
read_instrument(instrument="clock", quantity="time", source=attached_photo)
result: 11:40:56
